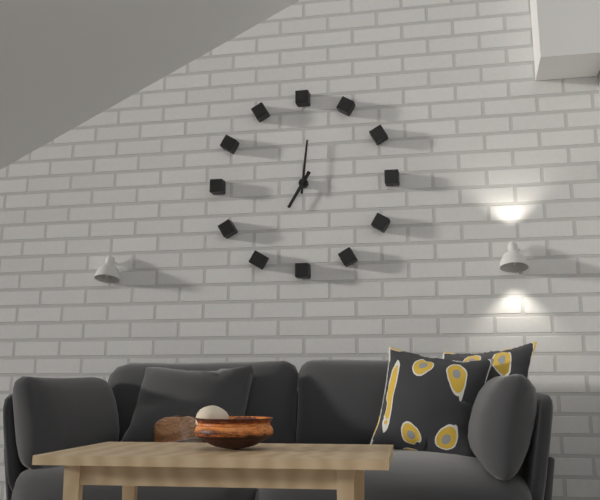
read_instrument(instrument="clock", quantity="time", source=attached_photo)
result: 7:01
